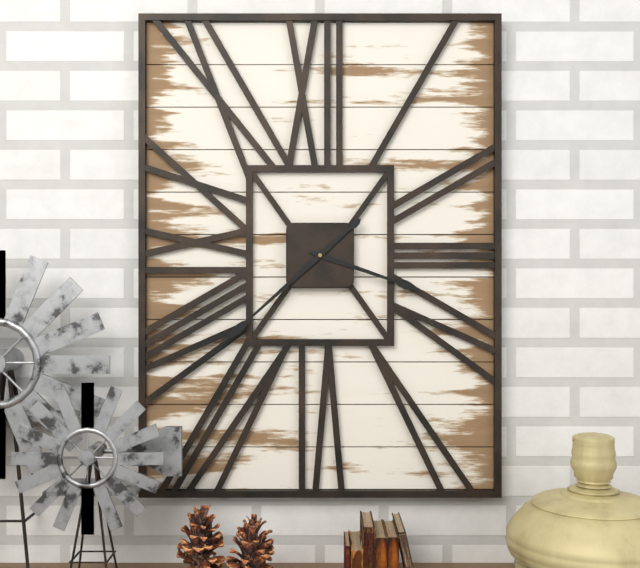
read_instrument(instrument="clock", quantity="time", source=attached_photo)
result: 3:38
